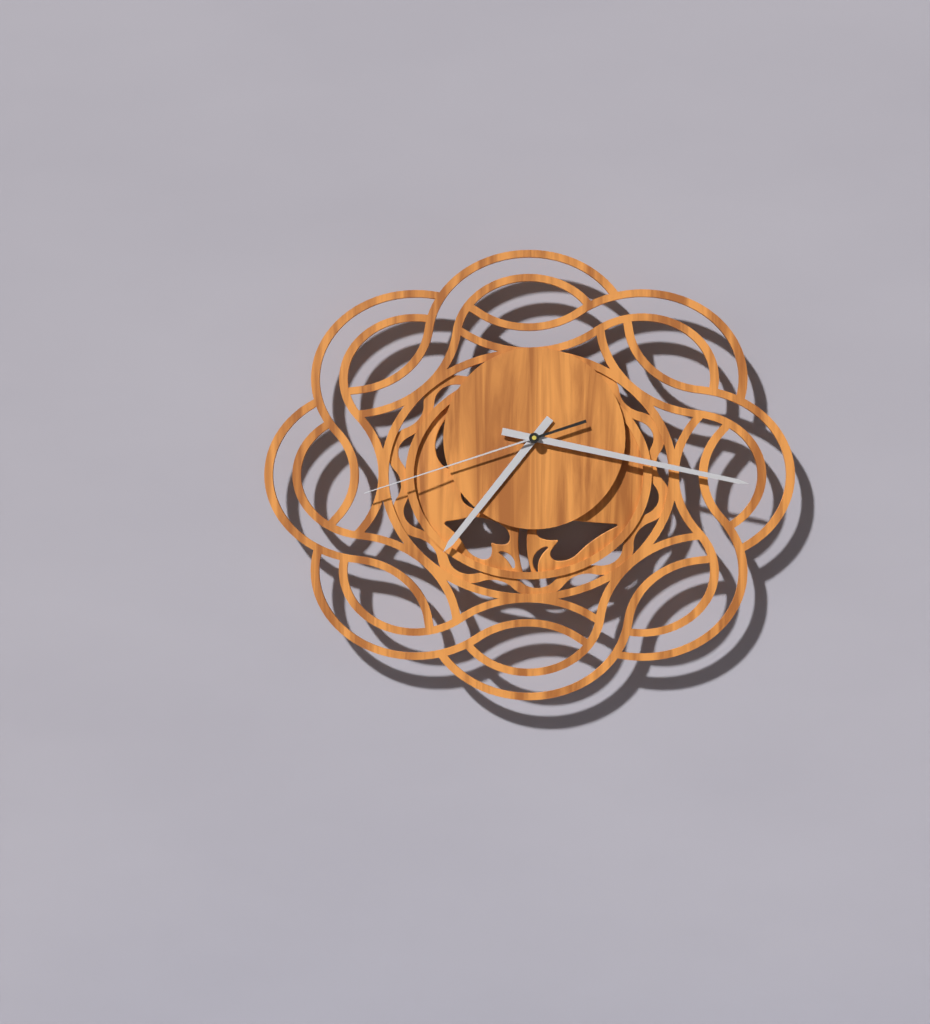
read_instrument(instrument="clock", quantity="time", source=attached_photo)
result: 7:17:42
